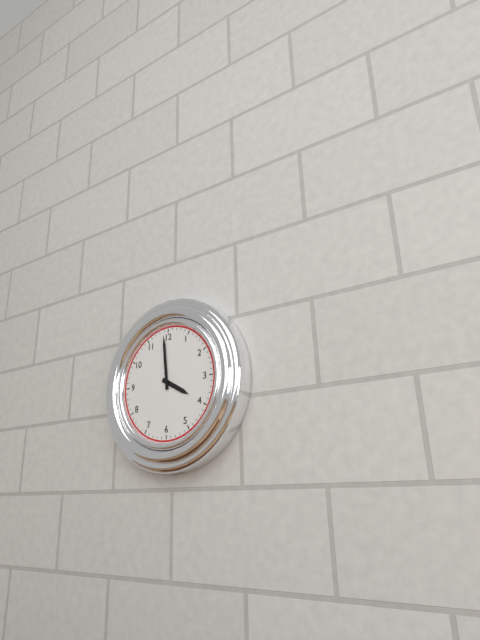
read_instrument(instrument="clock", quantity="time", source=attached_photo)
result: 3:59
